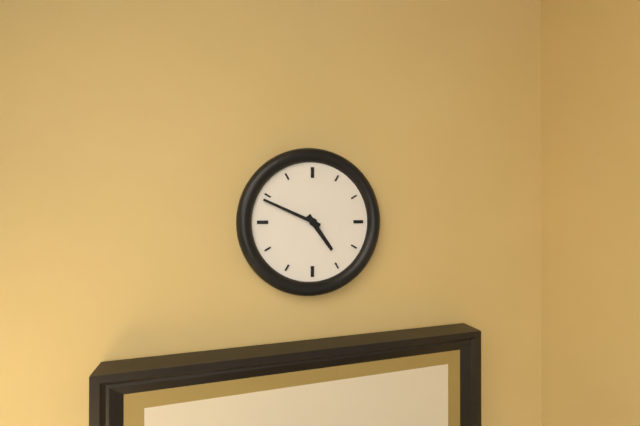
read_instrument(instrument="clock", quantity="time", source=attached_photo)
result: 4:49
